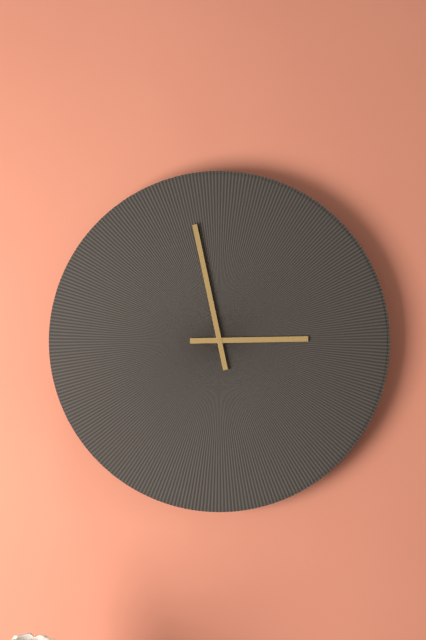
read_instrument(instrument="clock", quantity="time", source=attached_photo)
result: 2:58
